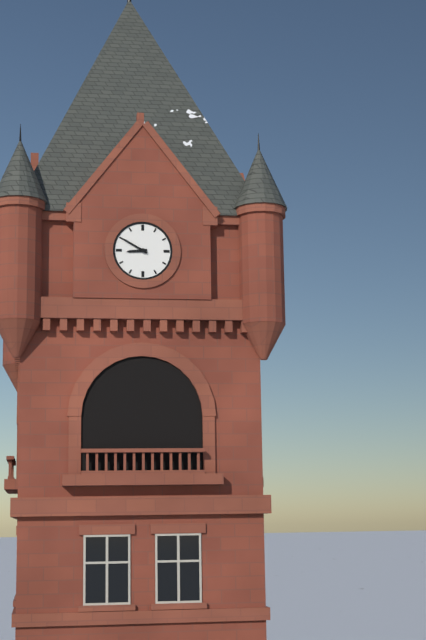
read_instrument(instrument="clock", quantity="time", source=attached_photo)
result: 8:50
